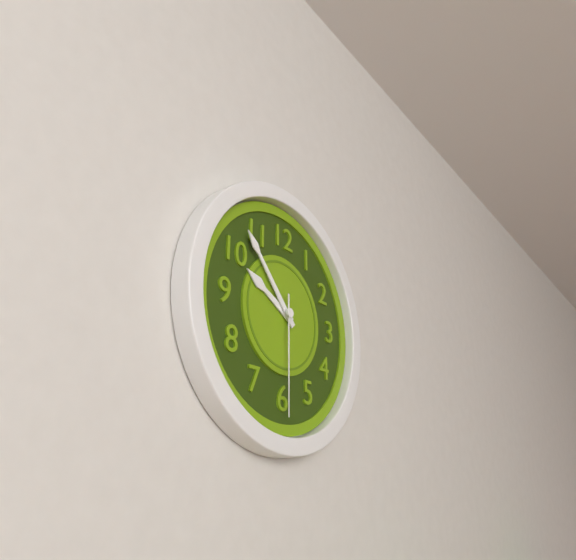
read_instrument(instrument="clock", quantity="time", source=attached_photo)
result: 9:53:30
